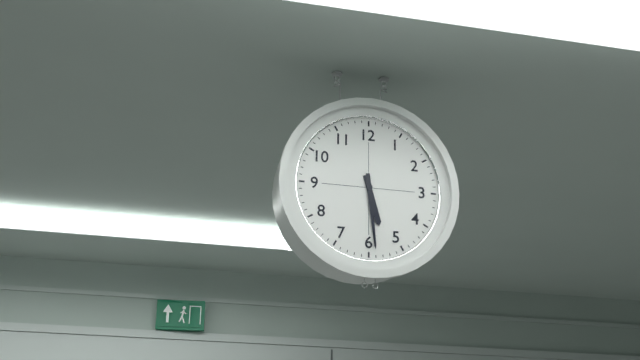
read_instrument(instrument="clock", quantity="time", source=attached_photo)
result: 5:29
